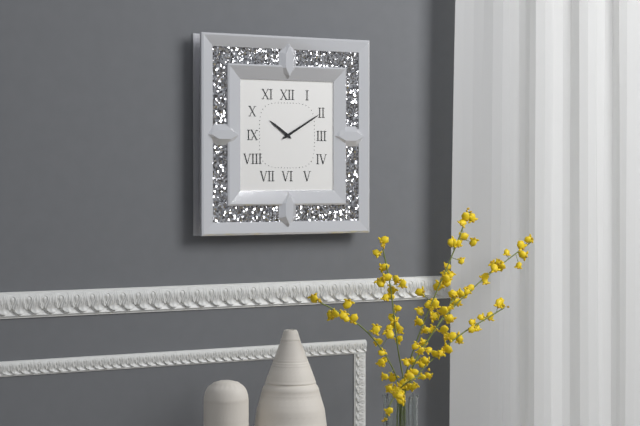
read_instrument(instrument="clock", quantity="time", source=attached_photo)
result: 10:10
